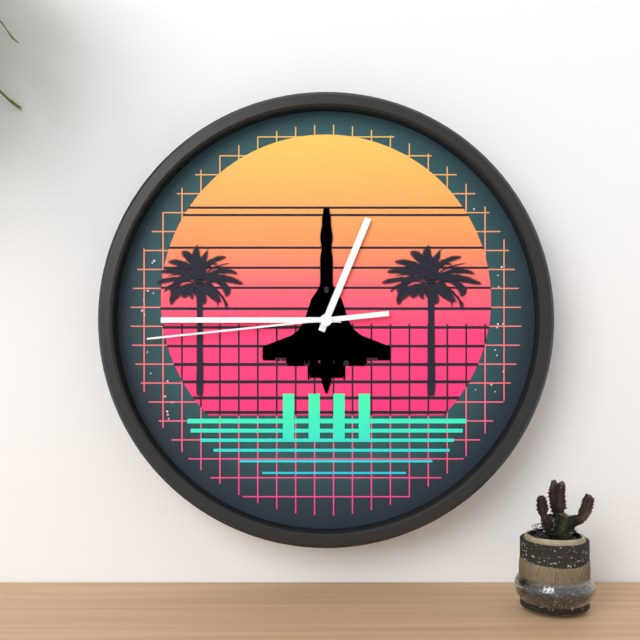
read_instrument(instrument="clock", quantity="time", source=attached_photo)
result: 12:45:44
